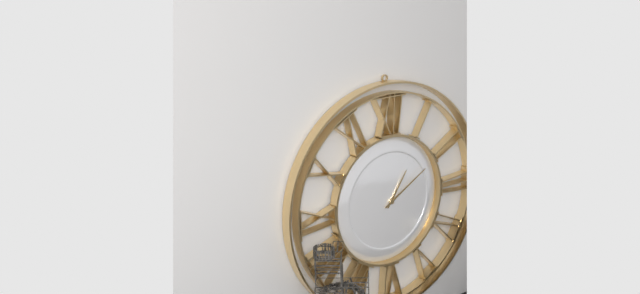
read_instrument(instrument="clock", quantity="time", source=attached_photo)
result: 1:10
